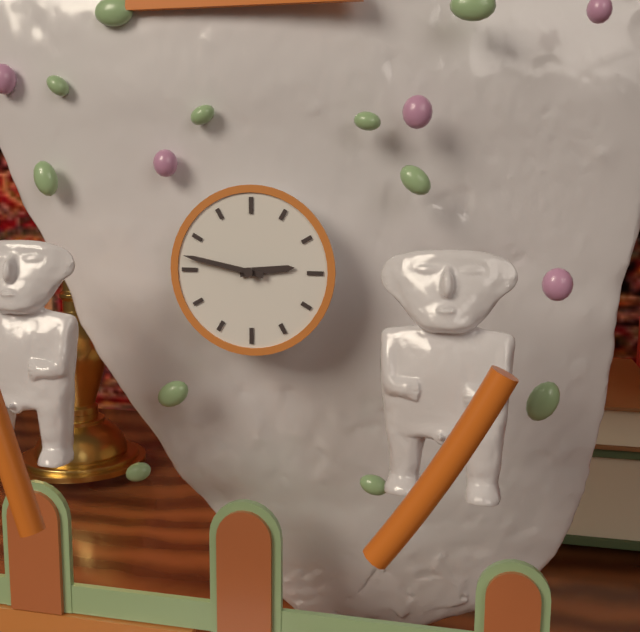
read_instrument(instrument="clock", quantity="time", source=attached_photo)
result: 2:47
